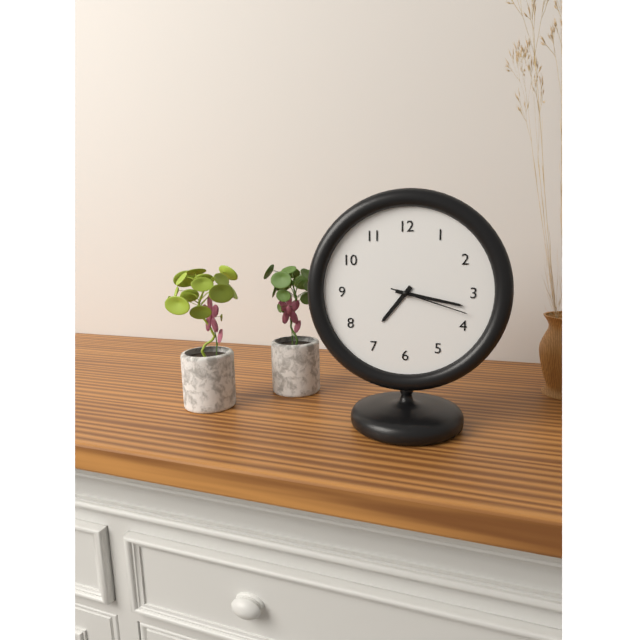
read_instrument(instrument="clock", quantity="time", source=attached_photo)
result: 7:17:18
